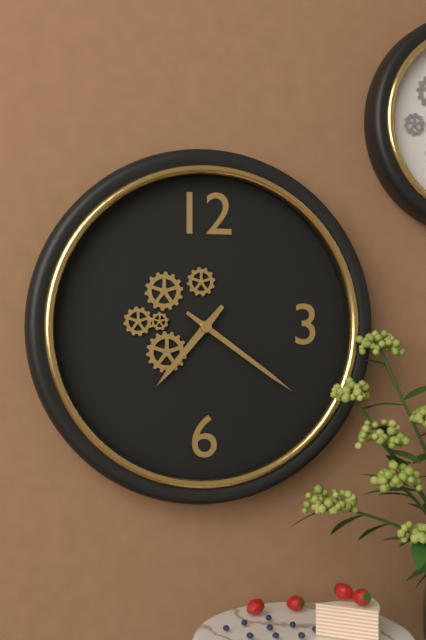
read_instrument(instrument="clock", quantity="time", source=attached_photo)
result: 7:21
